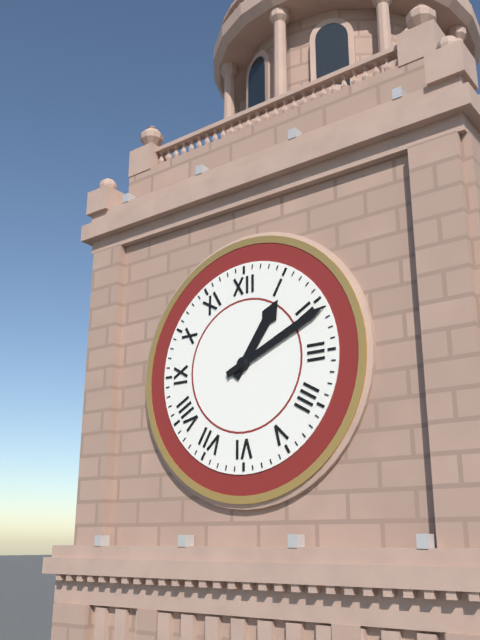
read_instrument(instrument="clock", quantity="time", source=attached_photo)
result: 1:11
